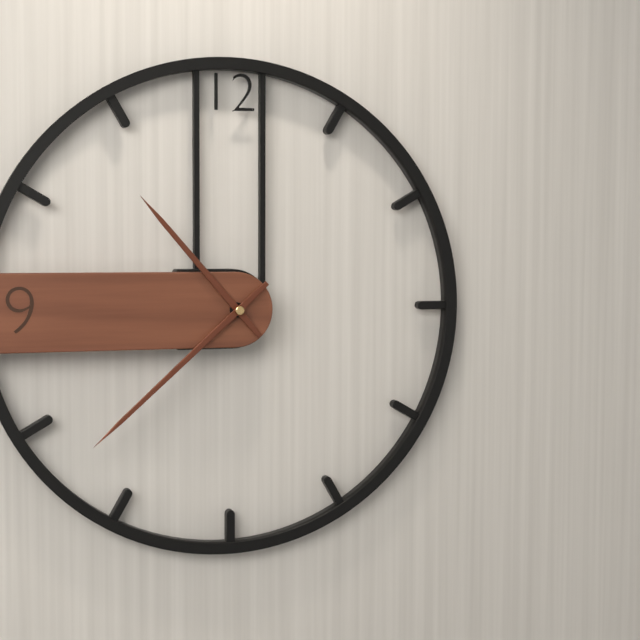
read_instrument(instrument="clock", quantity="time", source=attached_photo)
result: 10:38
